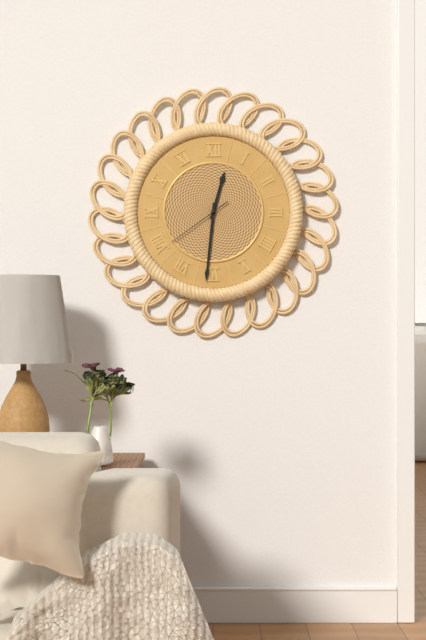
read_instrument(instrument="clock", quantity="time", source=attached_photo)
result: 12:31:39
